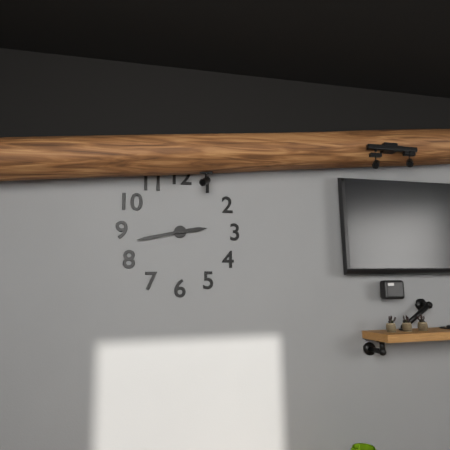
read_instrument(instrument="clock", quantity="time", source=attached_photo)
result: 2:43
